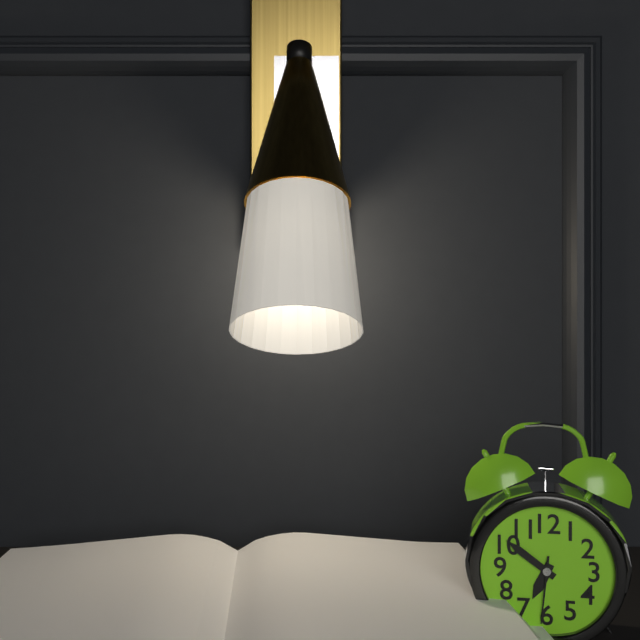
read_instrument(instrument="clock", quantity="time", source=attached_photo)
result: 6:51:31
